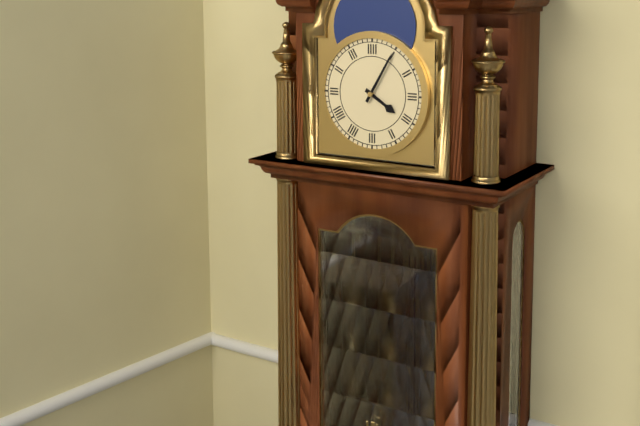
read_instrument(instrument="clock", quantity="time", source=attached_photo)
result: 4:05
